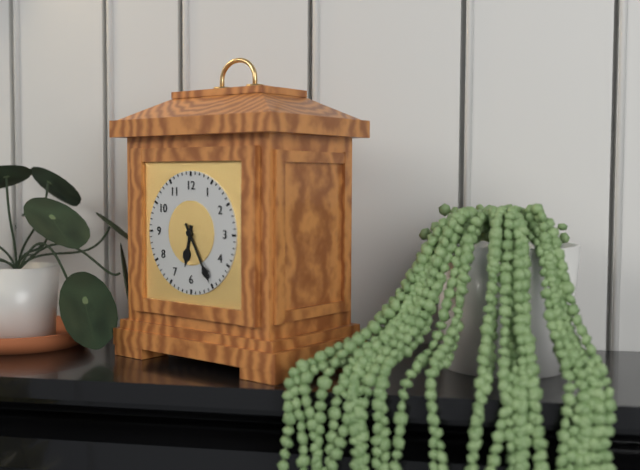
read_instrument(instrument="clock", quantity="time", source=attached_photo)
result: 6:25
